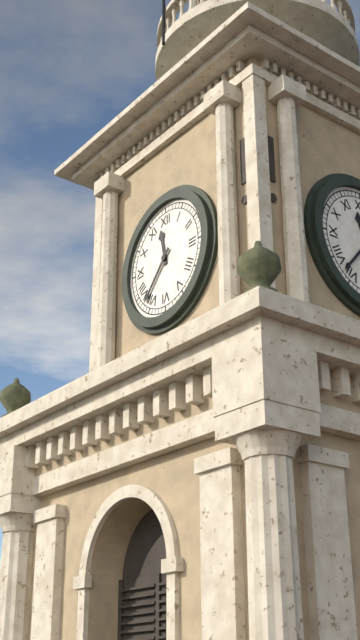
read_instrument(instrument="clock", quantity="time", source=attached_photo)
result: 11:37
